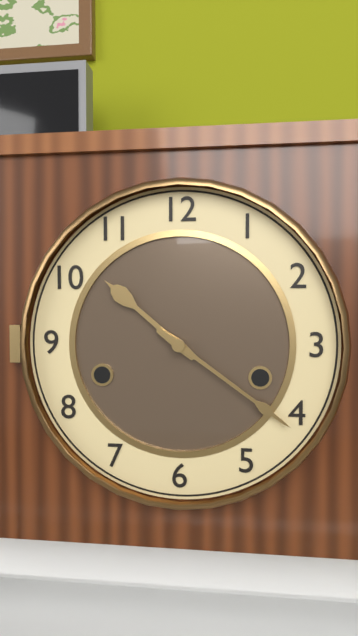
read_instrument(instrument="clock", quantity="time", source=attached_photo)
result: 10:21
